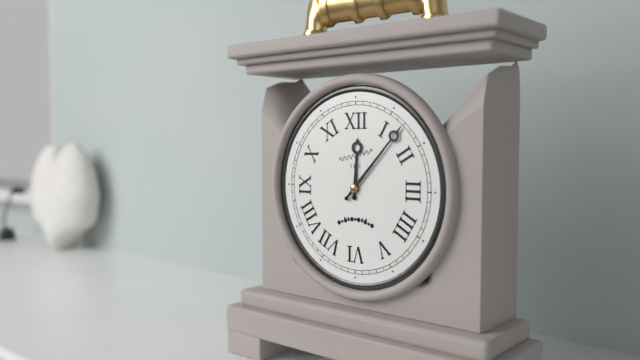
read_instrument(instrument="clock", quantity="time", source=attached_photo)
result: 12:07
